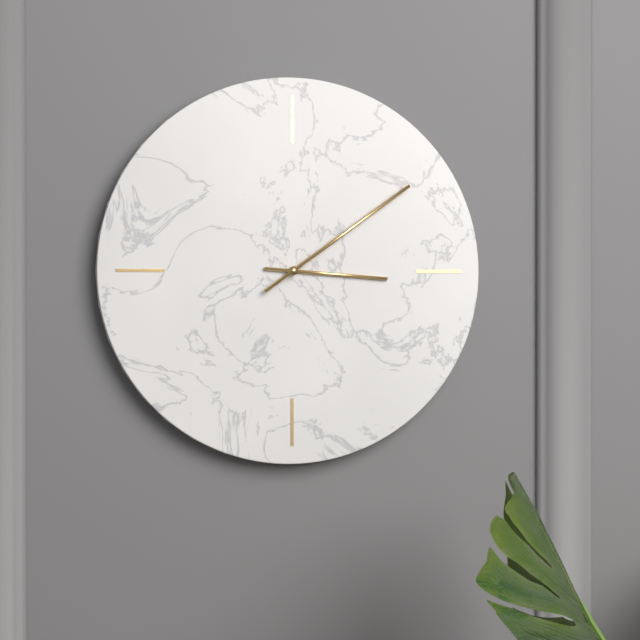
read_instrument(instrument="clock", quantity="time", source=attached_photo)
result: 3:09
